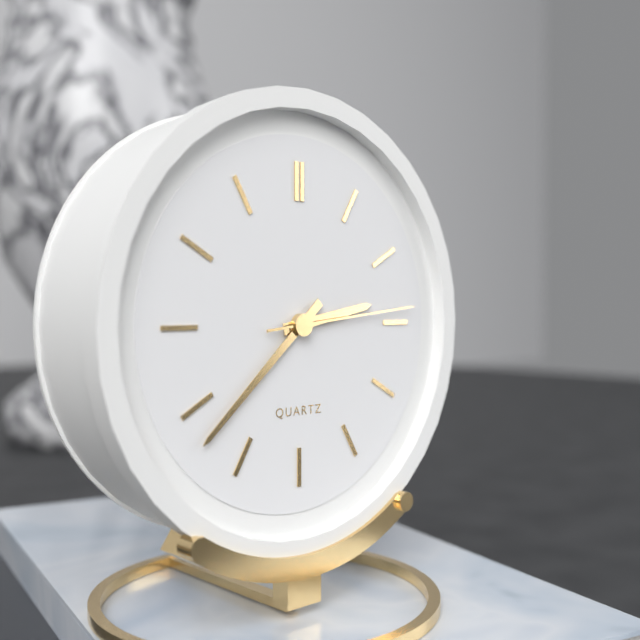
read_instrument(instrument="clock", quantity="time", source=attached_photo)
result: 2:38:14
